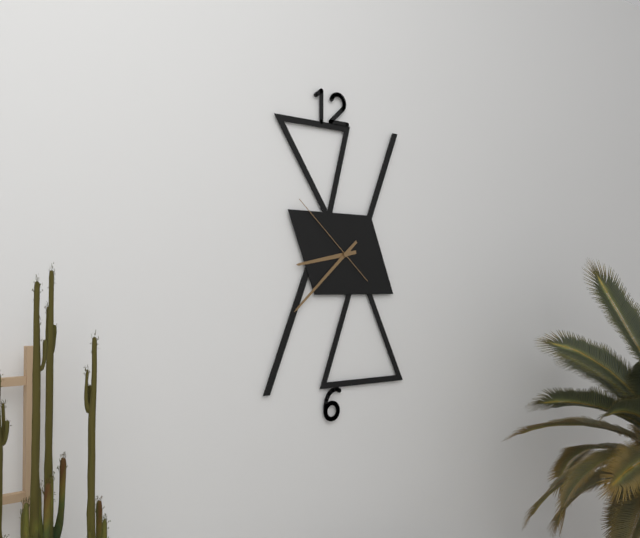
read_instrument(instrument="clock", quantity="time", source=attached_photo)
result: 8:38:52
